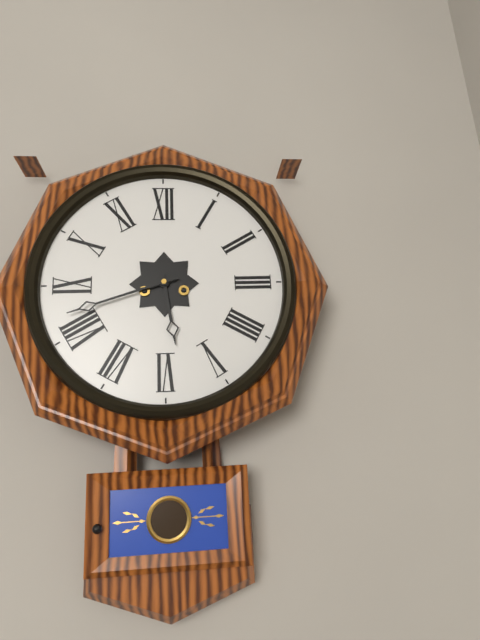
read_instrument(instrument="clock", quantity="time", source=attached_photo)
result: 5:42
